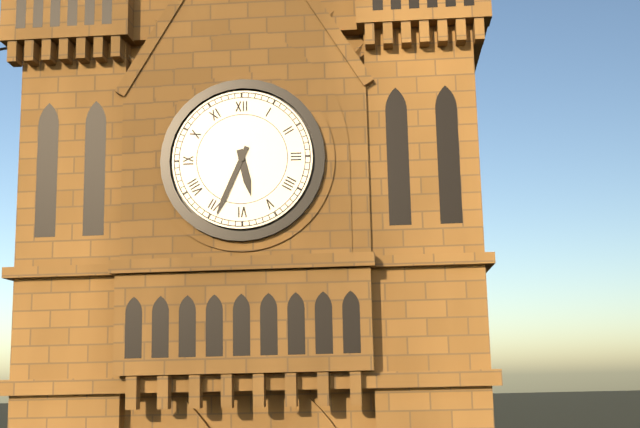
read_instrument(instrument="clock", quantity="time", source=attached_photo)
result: 5:34
